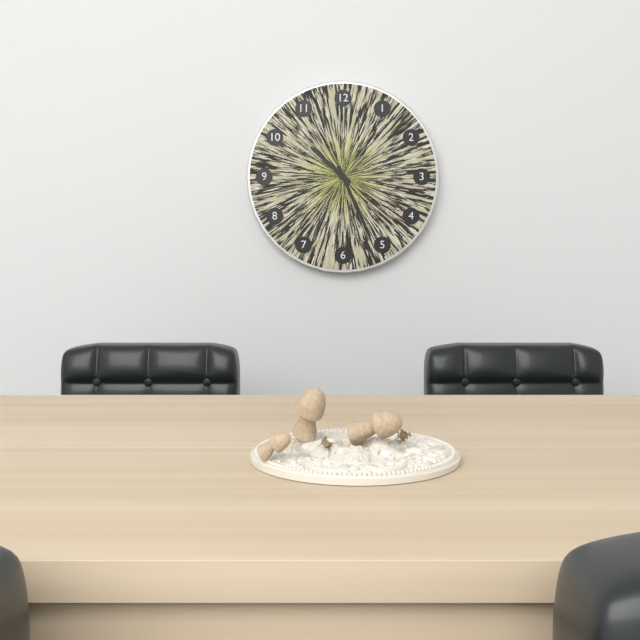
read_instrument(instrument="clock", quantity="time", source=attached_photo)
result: 10:26
